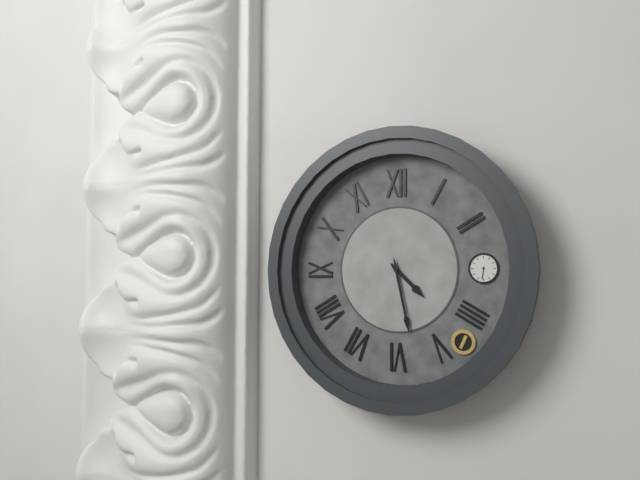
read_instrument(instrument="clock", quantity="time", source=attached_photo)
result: 4:28
